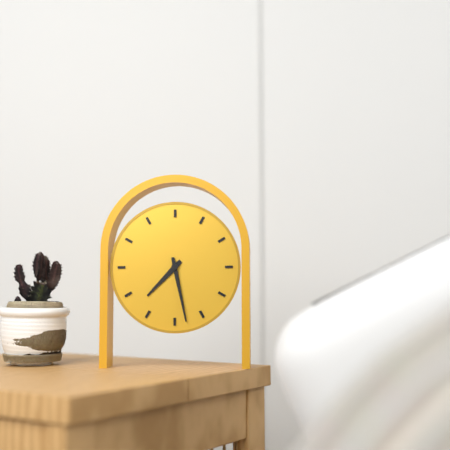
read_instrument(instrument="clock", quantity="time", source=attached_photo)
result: 7:28
